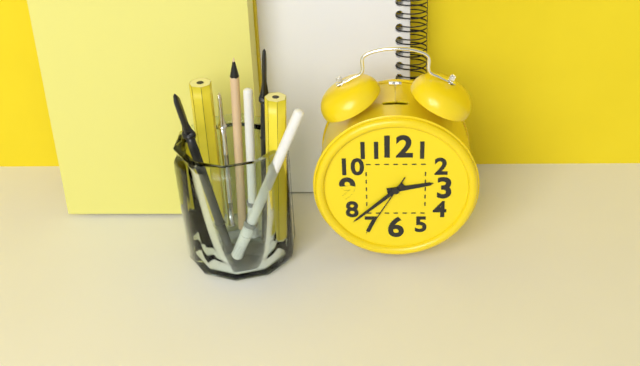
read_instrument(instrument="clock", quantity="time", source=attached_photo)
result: 2:38:35
